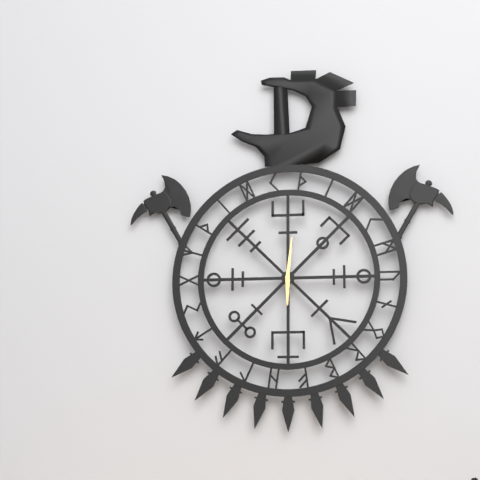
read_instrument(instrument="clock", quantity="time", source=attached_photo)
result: 6:01
